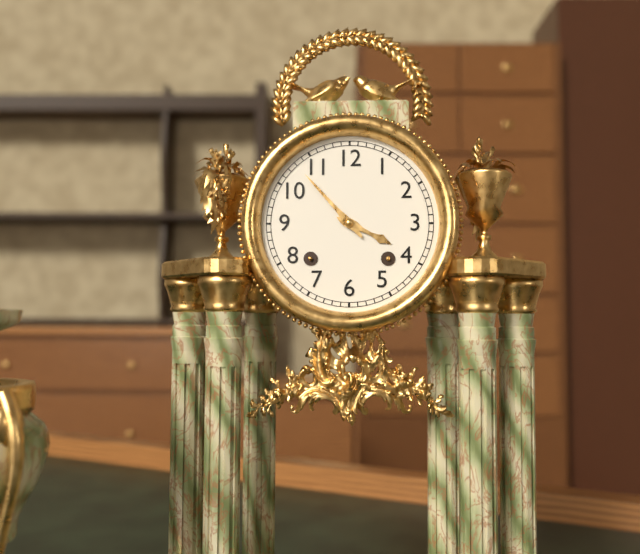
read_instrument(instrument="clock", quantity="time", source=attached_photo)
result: 3:53
